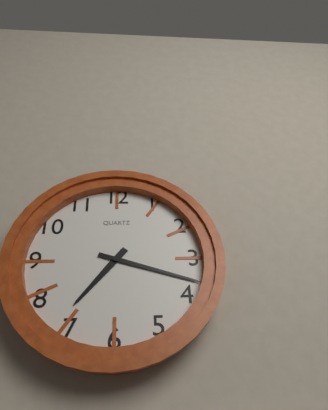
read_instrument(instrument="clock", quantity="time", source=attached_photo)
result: 7:18
